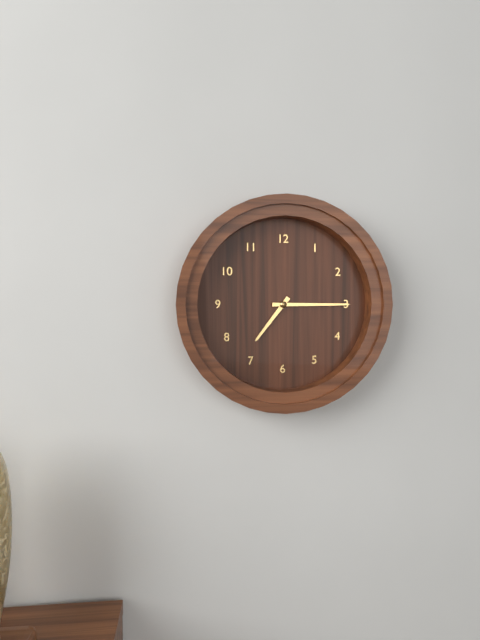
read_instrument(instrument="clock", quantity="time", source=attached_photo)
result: 7:15
